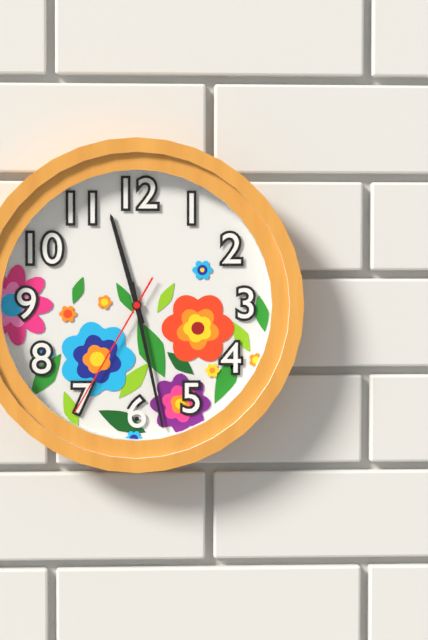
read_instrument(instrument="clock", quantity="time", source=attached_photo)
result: 11:28:35
